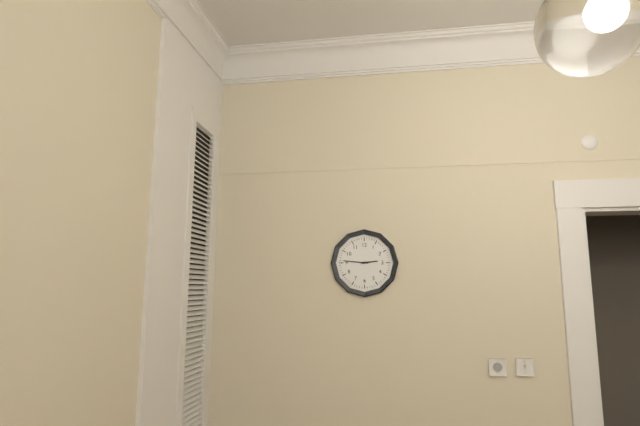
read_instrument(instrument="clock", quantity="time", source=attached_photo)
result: 2:46
